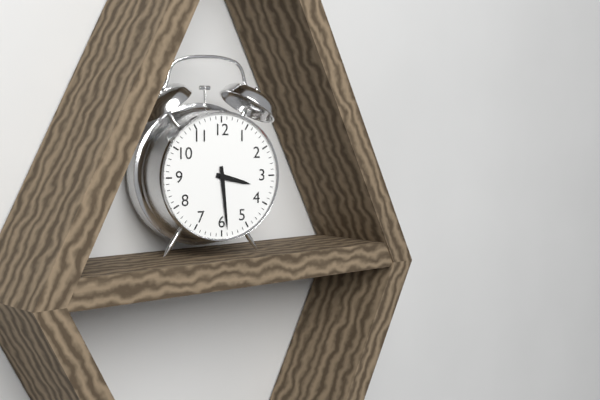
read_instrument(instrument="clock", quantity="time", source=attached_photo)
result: 3:29
